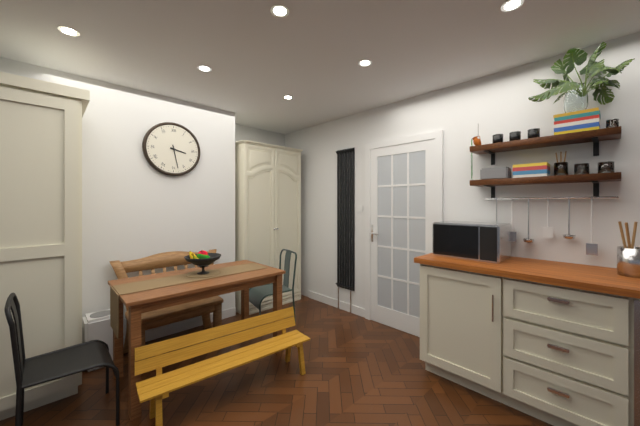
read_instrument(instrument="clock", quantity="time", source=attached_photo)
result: 3:28
